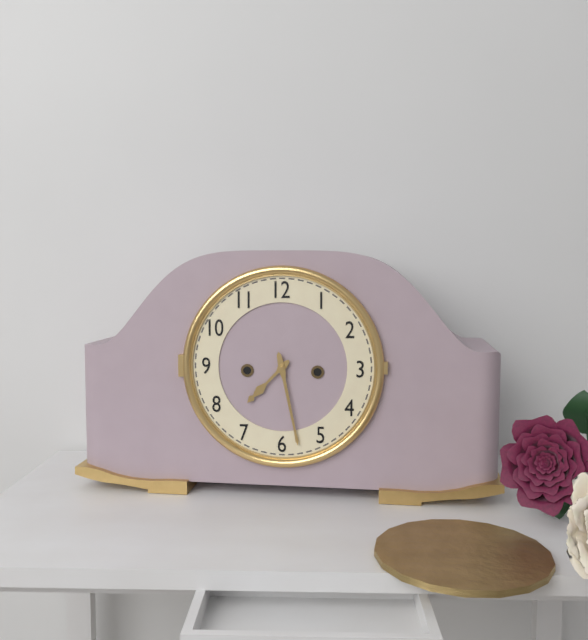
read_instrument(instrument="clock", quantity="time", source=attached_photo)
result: 7:28
